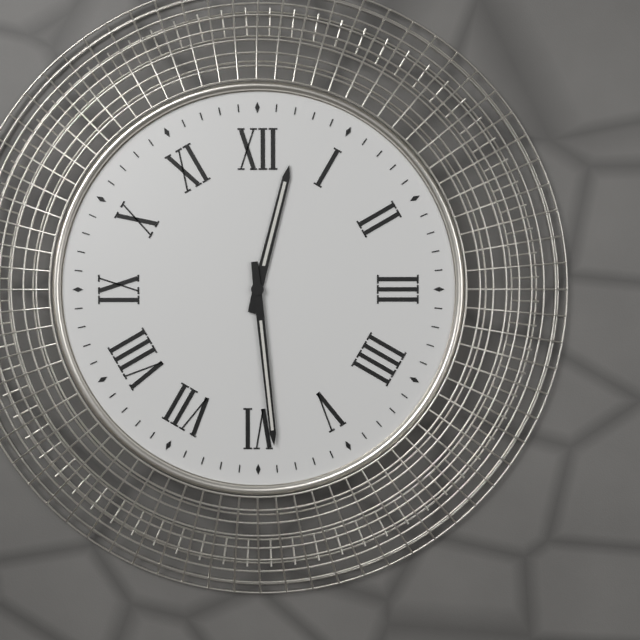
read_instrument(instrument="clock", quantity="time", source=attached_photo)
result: 12:29
